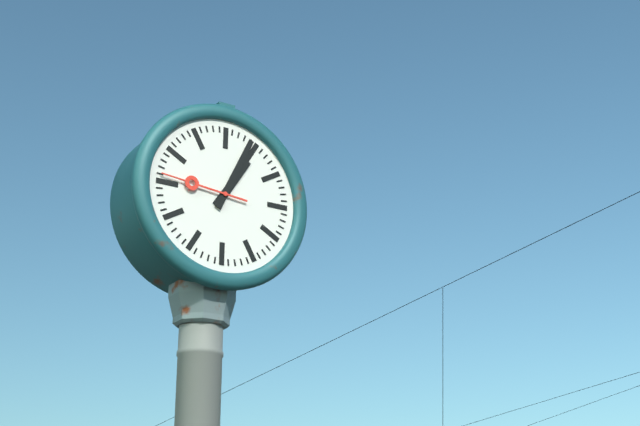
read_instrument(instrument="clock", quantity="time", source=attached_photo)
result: 1:04:46
